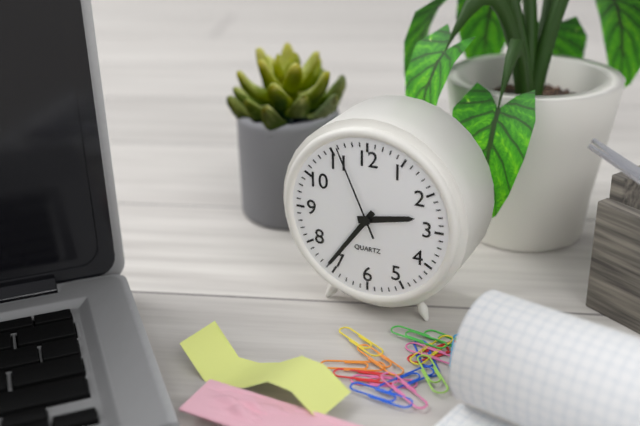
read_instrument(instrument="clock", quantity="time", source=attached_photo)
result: 2:36:56
